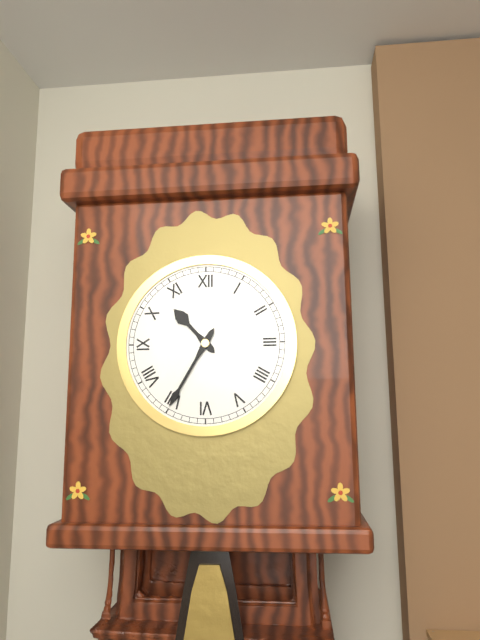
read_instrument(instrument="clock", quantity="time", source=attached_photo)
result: 10:35
